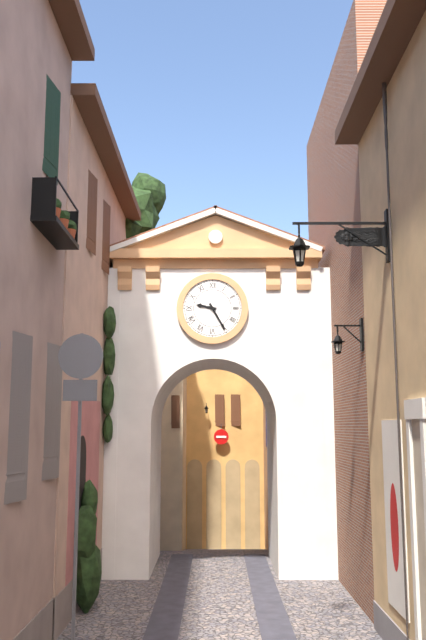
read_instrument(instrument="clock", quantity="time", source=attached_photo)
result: 9:25
